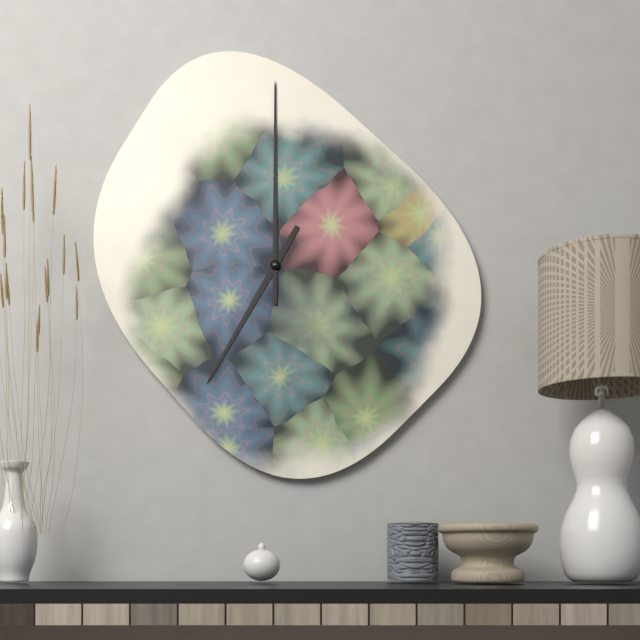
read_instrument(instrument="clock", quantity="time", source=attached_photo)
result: 7:00
